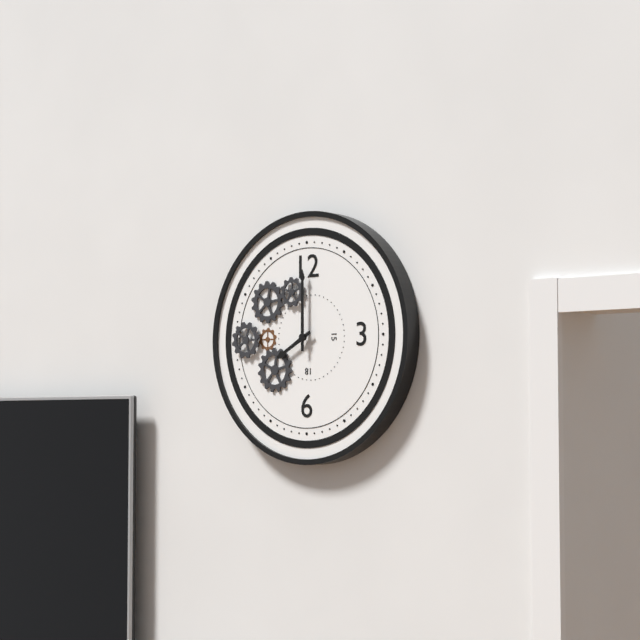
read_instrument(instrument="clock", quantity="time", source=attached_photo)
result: 8:00
